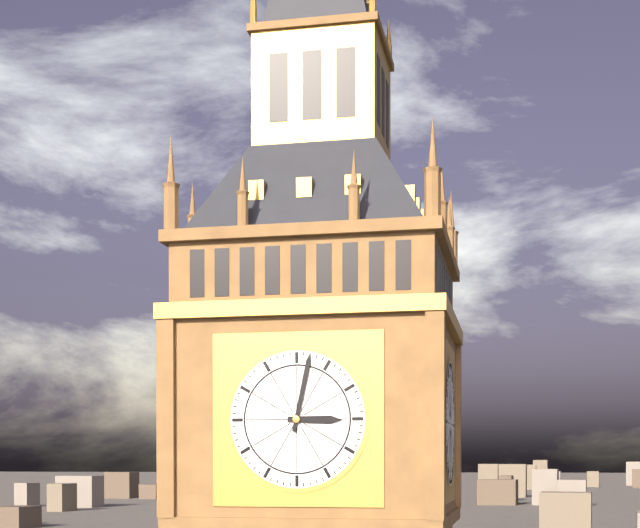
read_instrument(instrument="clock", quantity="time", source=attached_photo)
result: 3:02
